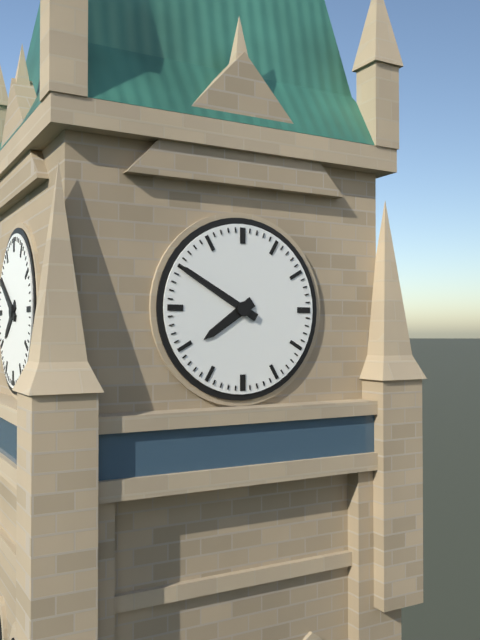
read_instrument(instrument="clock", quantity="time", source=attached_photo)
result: 7:50
